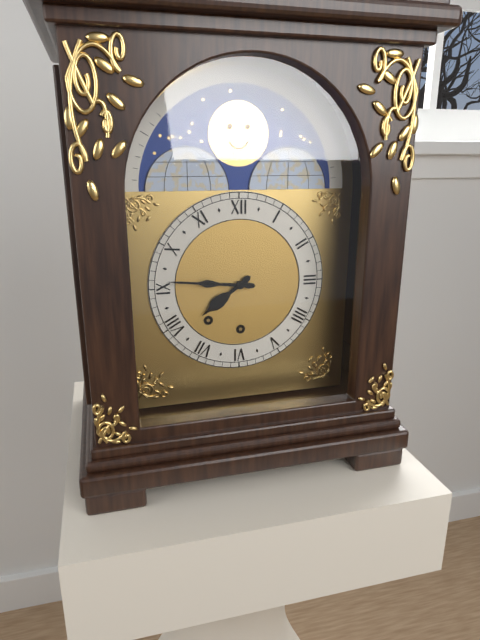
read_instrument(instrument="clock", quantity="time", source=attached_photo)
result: 7:46
